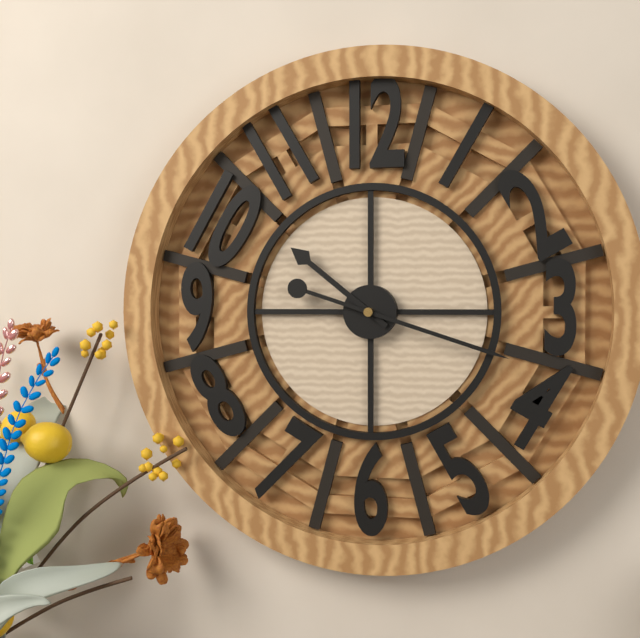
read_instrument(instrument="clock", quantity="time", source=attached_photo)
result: 10:18
